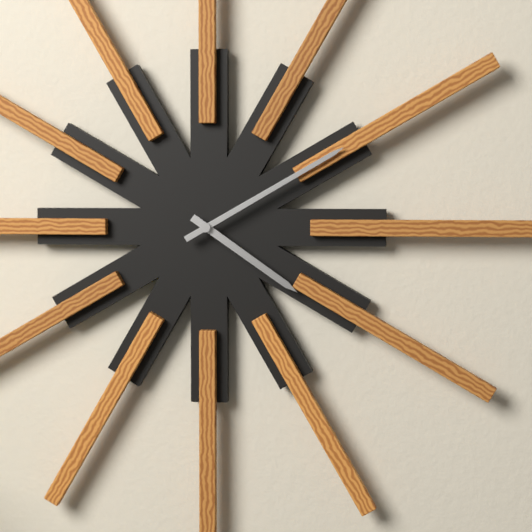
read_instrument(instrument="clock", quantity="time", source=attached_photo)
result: 4:10
